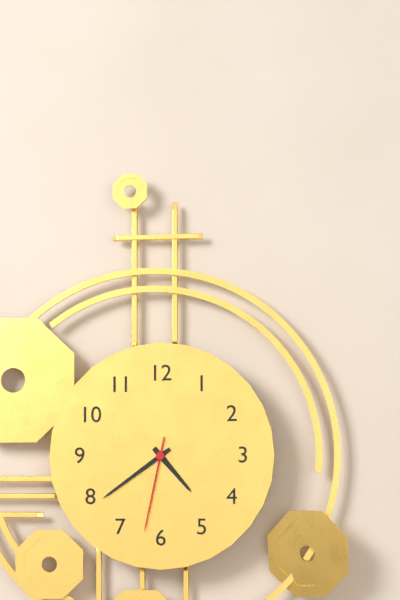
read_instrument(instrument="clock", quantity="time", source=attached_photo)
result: 4:39:32
